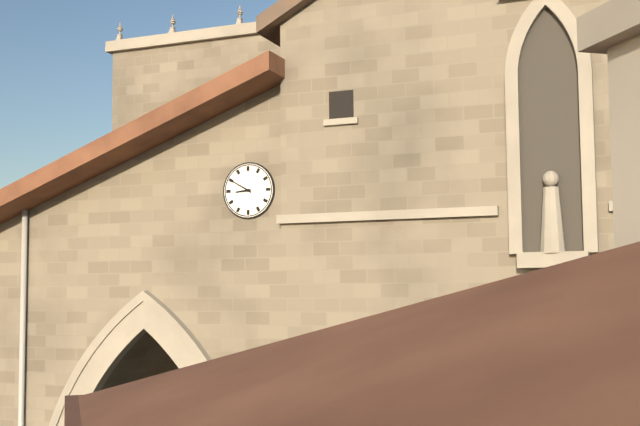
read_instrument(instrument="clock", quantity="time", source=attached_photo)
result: 8:50
